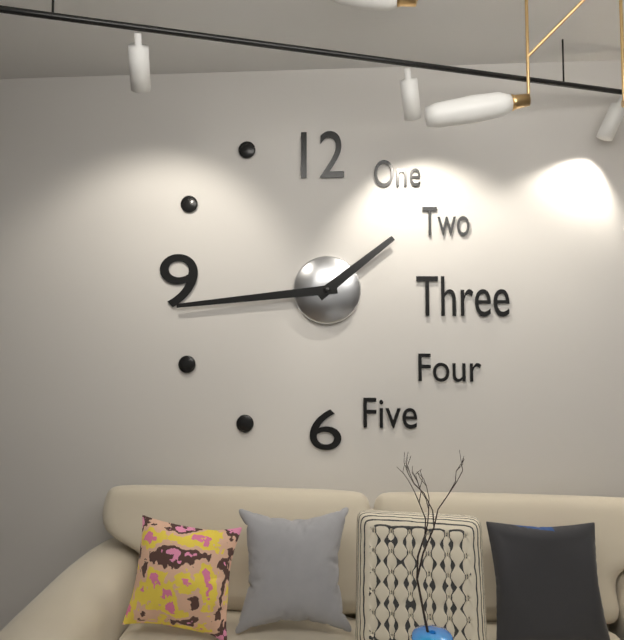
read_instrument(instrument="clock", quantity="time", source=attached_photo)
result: 1:44
